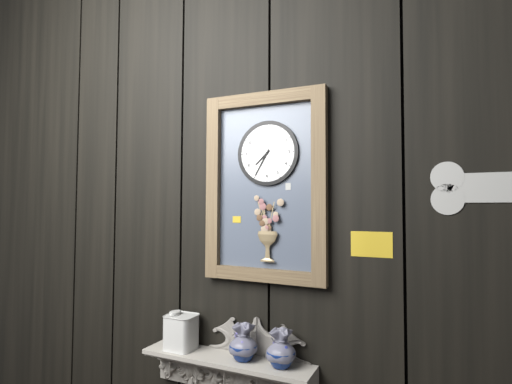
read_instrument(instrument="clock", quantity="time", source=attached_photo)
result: 7:35
